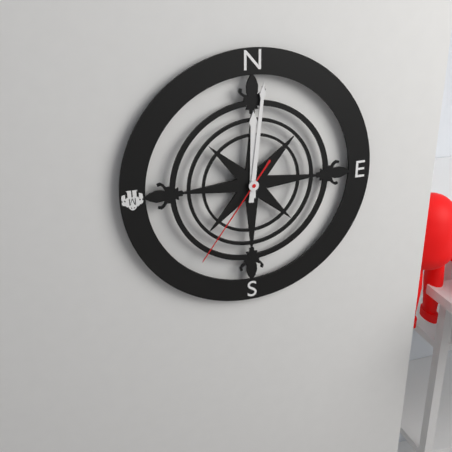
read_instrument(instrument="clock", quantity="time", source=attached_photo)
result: 12:01:36
